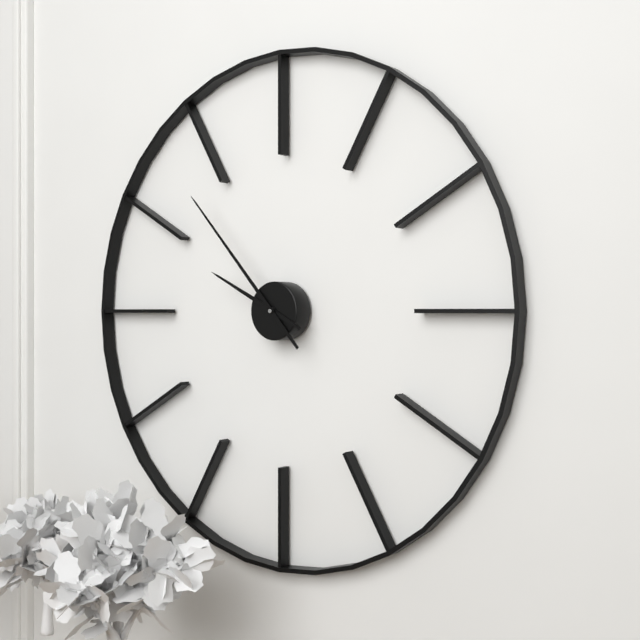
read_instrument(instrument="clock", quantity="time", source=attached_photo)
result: 9:53
